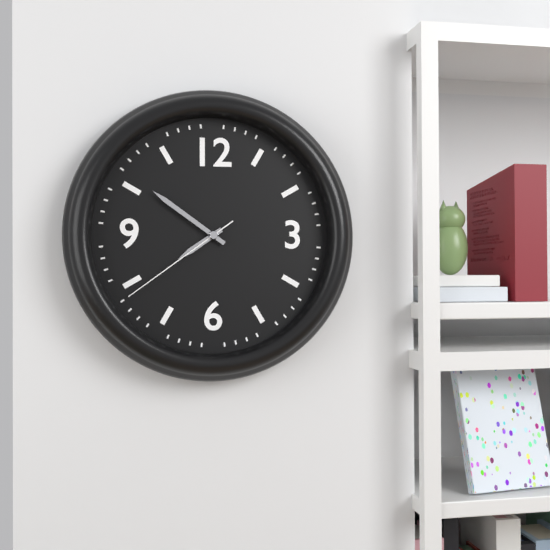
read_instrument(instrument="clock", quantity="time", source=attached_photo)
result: 7:51:39
